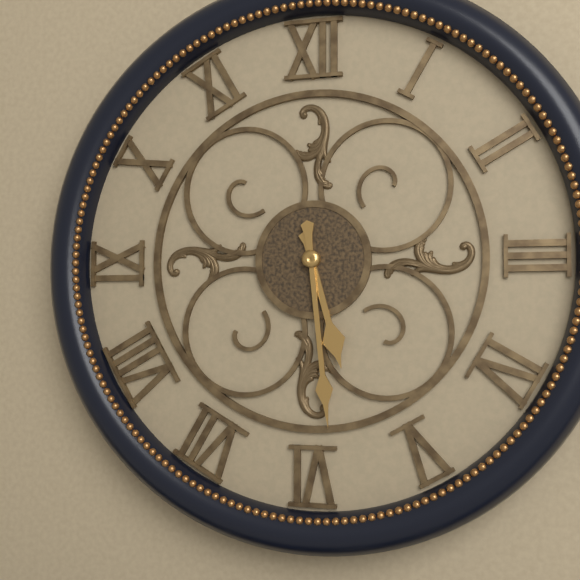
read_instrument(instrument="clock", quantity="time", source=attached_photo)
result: 5:29
